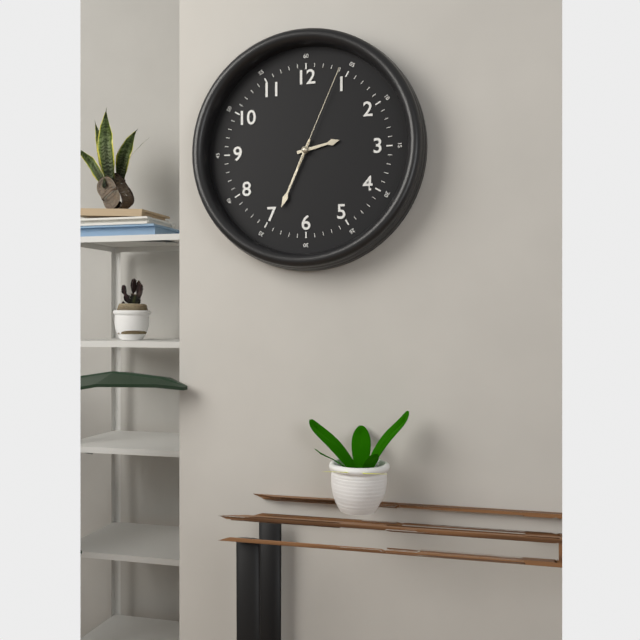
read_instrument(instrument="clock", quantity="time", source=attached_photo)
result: 2:34:04
